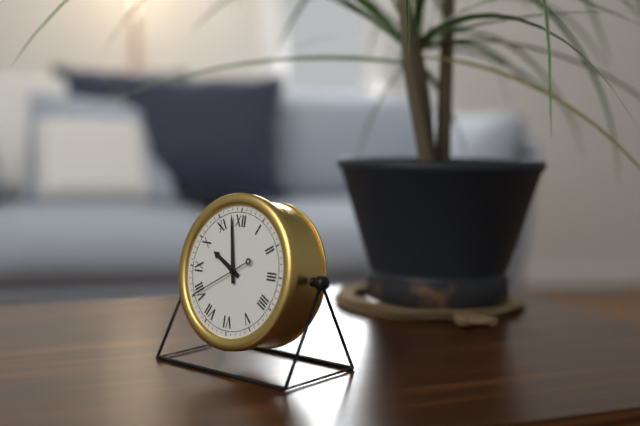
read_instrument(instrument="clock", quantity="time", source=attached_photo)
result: 9:58:40
